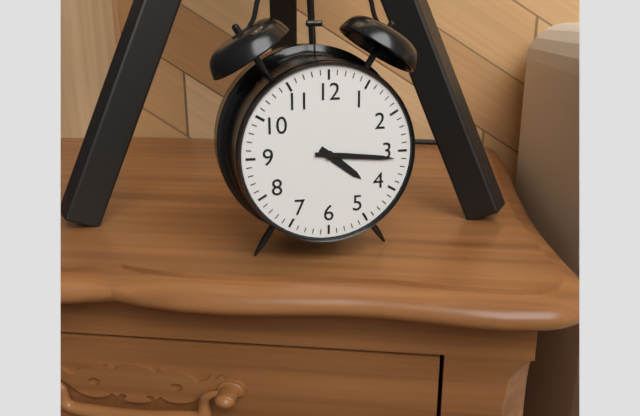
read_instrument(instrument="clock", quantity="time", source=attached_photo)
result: 4:16
